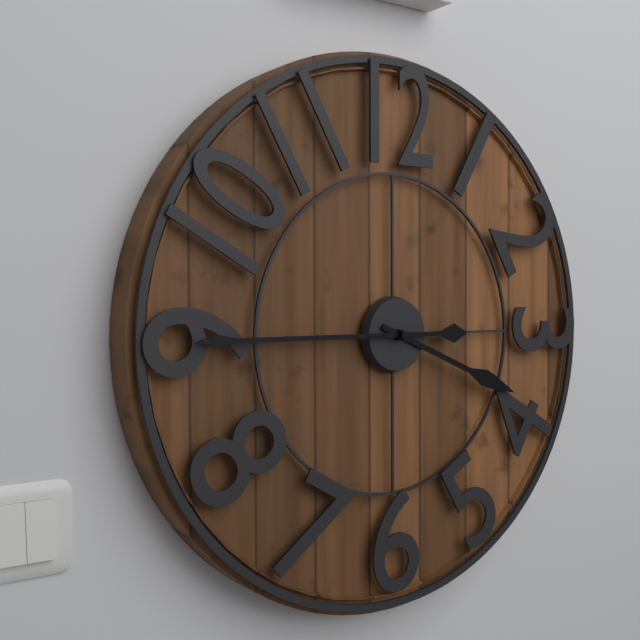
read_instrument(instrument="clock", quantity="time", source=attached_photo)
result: 3:45
